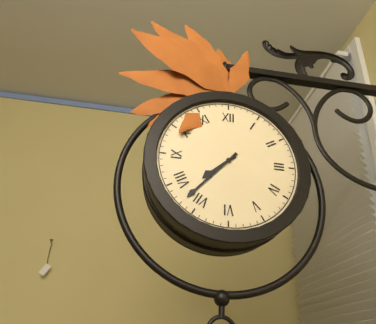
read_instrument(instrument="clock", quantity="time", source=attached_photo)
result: 7:37
